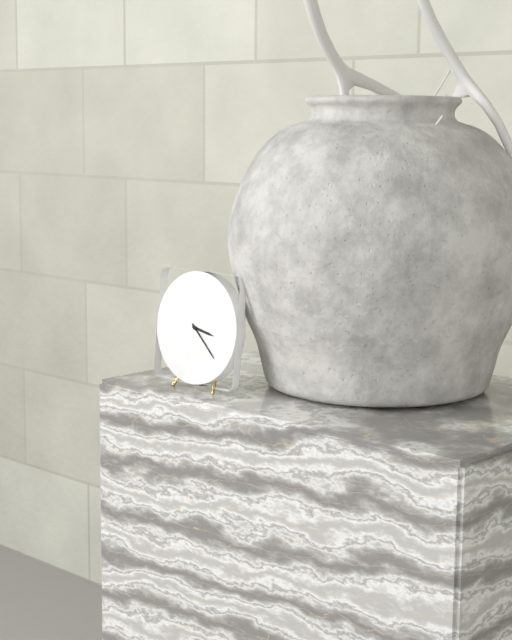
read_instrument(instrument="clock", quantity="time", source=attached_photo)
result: 3:22
